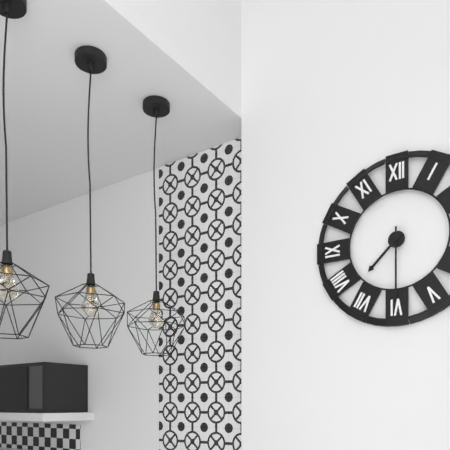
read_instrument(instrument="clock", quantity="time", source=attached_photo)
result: 7:30
